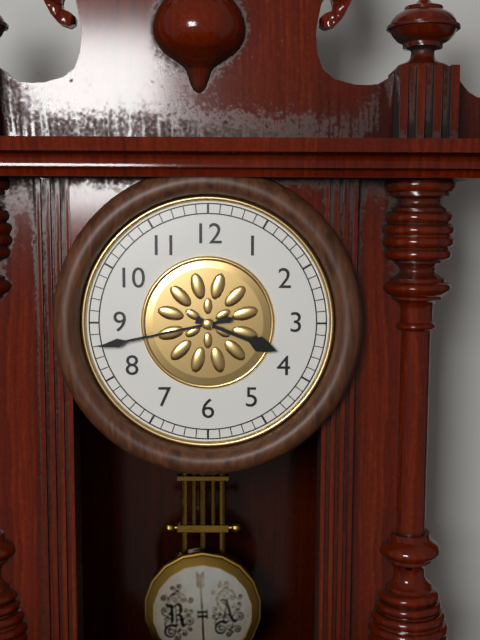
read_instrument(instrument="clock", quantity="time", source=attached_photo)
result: 3:43
